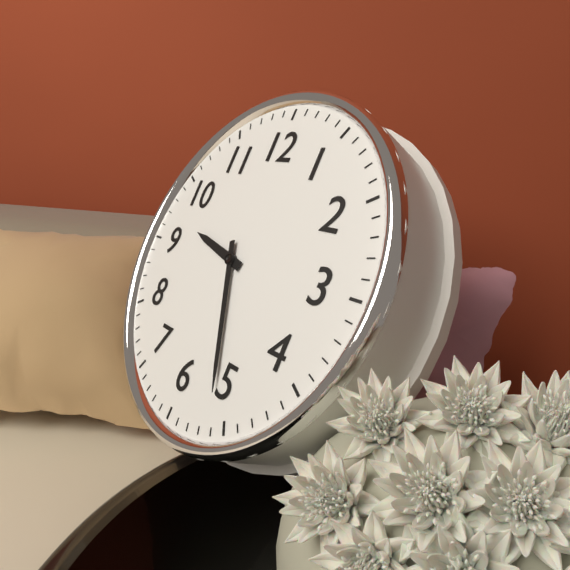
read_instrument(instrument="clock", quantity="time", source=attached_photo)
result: 9:26
